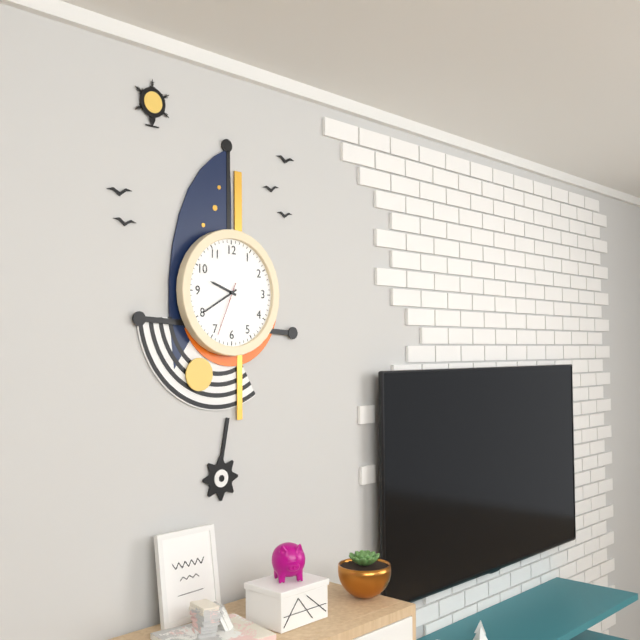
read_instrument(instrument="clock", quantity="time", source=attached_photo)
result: 9:40:34
